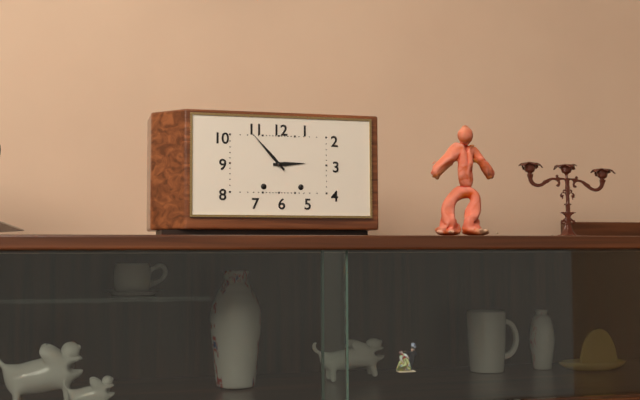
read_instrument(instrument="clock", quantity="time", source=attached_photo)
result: 2:53
